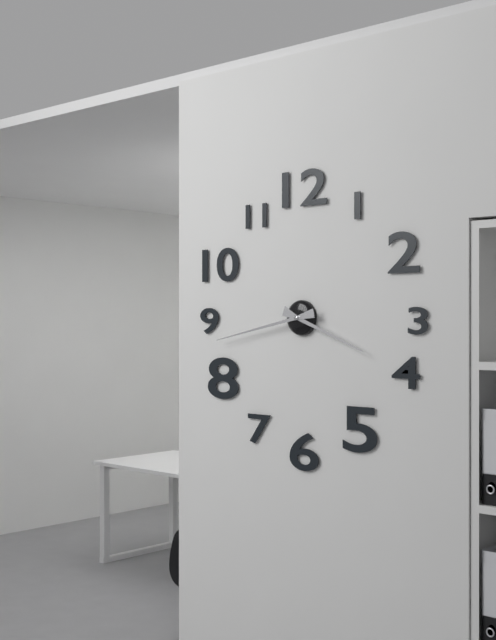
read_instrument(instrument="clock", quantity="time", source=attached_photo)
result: 3:43
